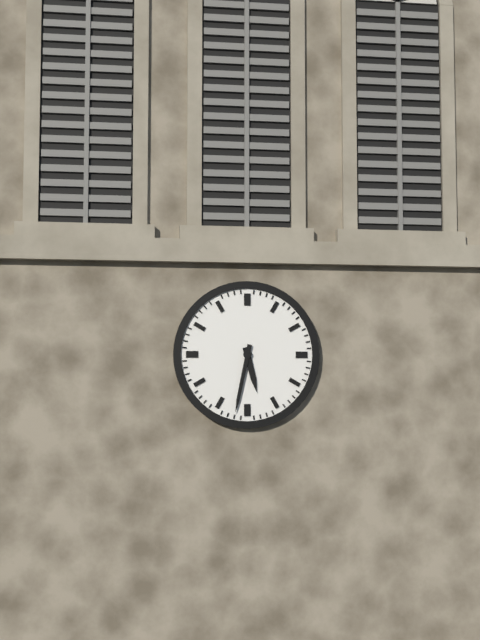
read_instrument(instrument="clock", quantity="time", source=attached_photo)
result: 5:32
